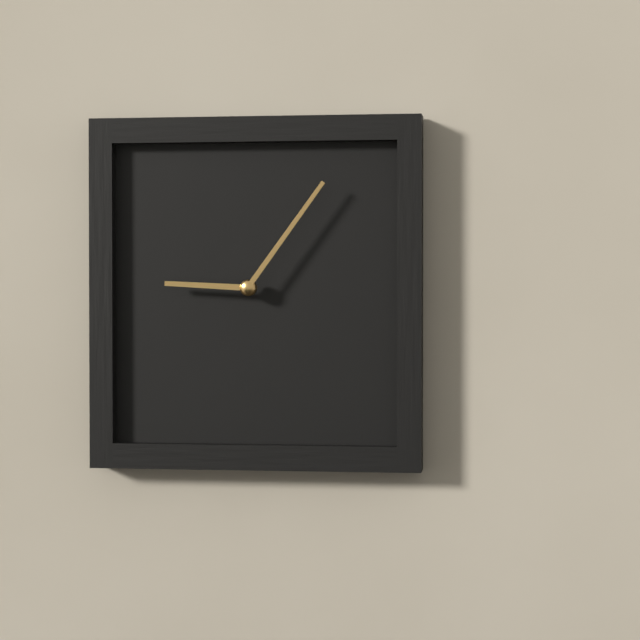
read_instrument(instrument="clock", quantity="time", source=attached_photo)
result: 9:06
